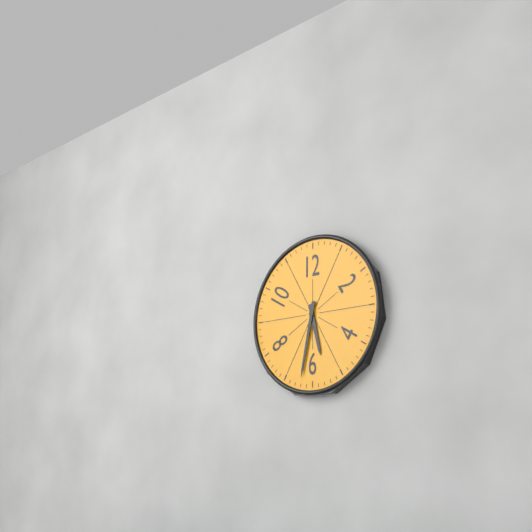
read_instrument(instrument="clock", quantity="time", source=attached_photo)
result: 5:32
